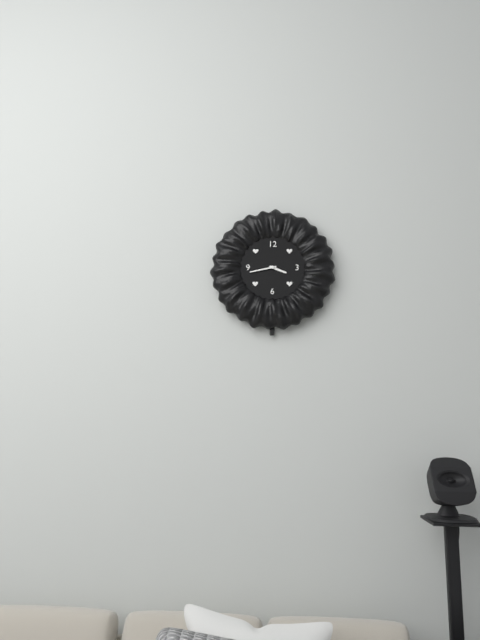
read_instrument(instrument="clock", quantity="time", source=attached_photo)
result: 3:43
